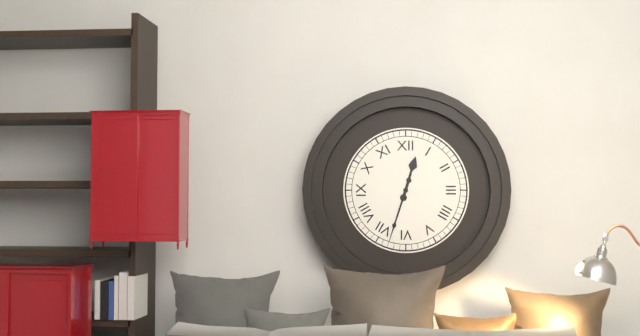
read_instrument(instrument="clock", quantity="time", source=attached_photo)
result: 12:33
